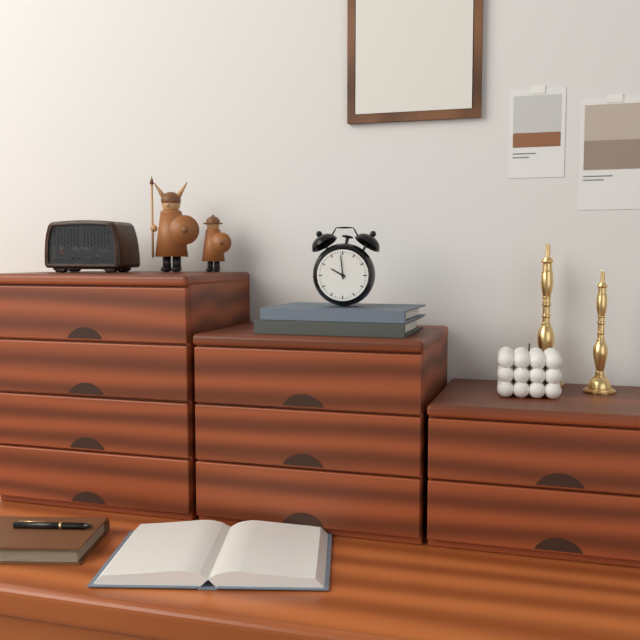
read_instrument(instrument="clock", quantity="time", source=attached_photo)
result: 9:59
